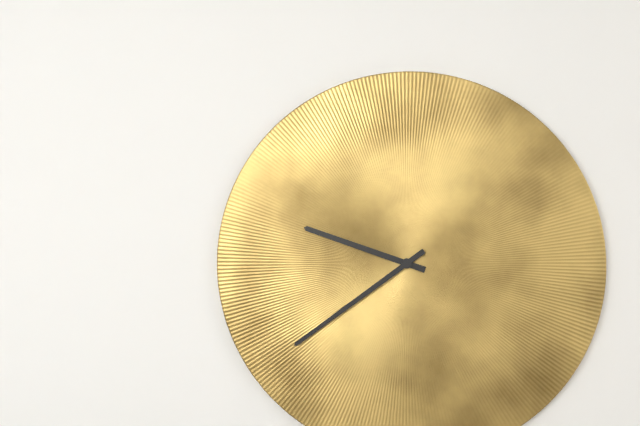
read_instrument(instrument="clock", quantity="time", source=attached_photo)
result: 9:39
